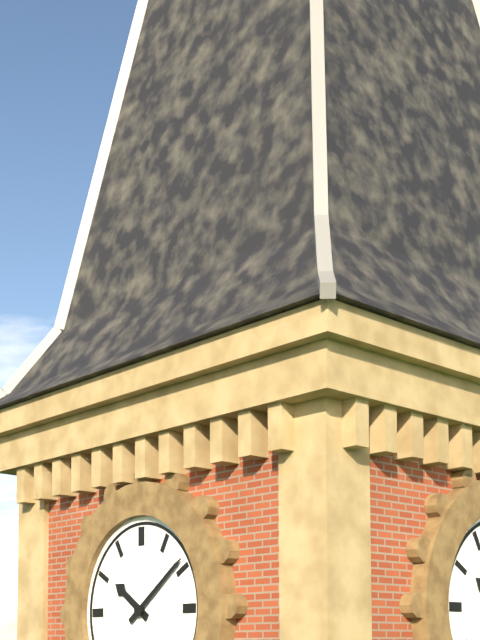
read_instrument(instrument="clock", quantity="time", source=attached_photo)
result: 10:09
